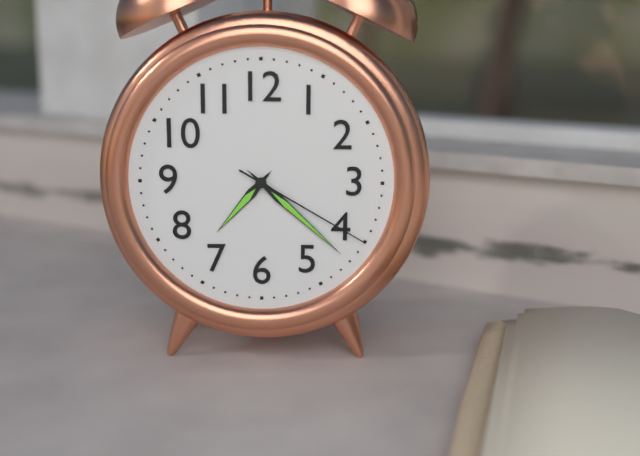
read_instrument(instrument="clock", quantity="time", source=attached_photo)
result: 7:22:20
